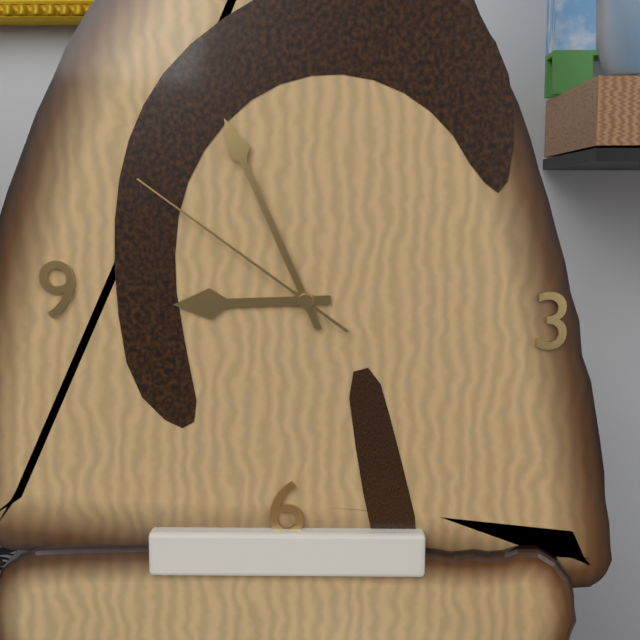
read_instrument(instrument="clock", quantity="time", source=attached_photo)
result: 8:56:51
